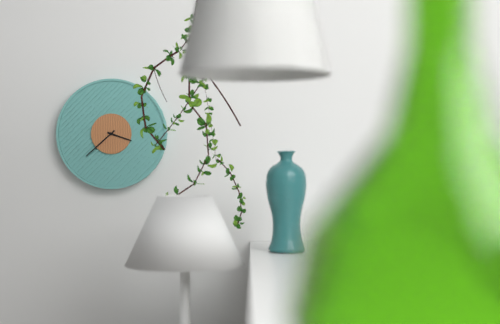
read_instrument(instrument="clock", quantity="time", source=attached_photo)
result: 3:38
